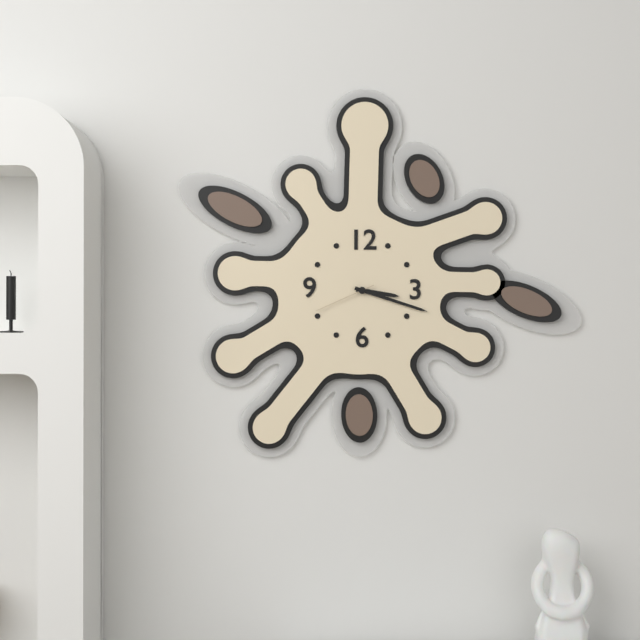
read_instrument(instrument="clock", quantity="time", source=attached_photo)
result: 3:18:41
